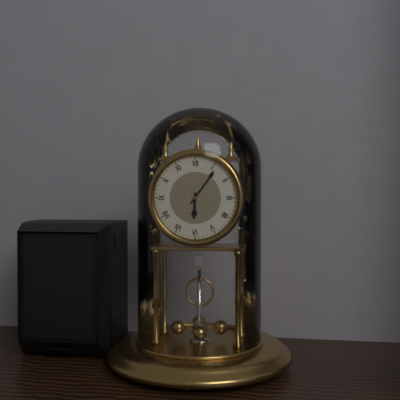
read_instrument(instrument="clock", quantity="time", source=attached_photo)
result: 6:06
